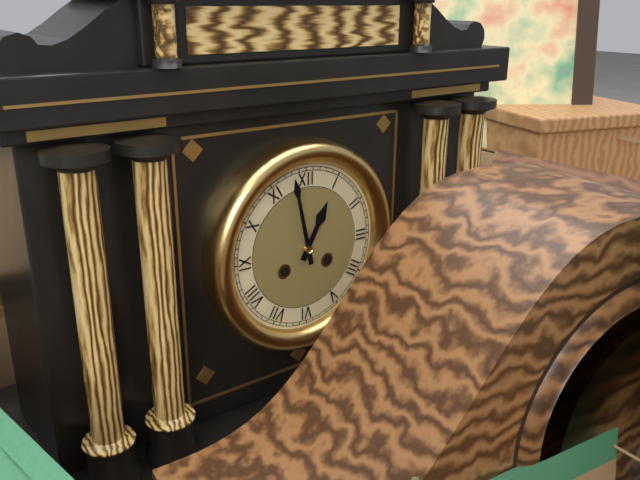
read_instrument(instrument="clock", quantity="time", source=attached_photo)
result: 12:58
